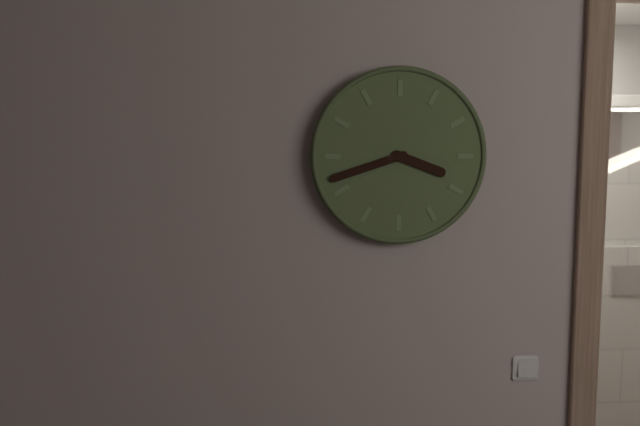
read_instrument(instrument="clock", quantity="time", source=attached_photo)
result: 3:42
